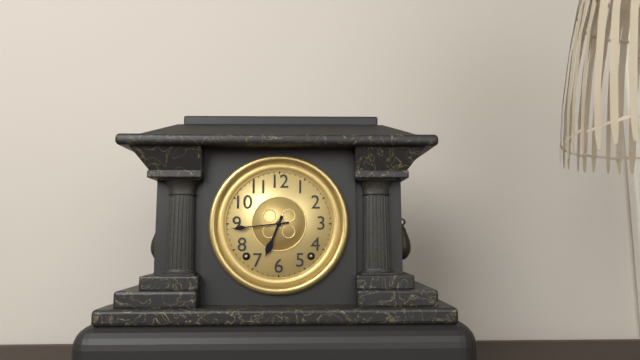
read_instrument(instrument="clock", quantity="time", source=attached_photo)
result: 6:44
